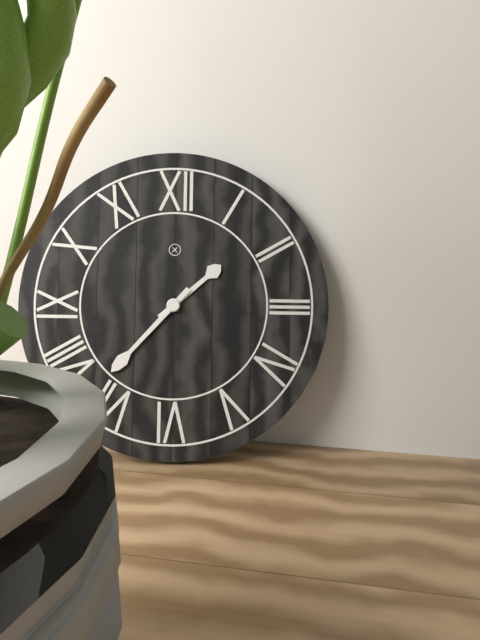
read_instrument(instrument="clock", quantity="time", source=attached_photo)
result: 1:37
